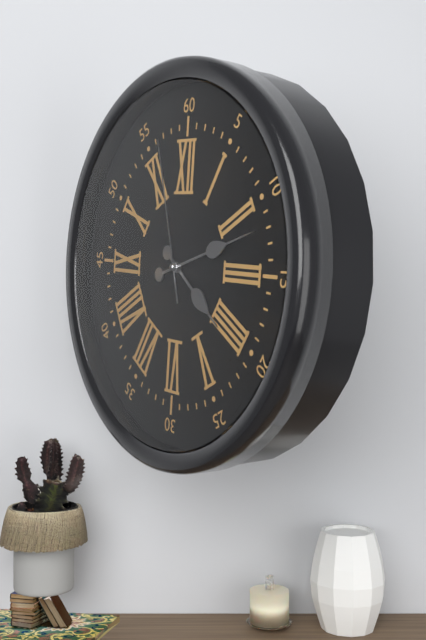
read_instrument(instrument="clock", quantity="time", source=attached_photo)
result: 4:12:57
